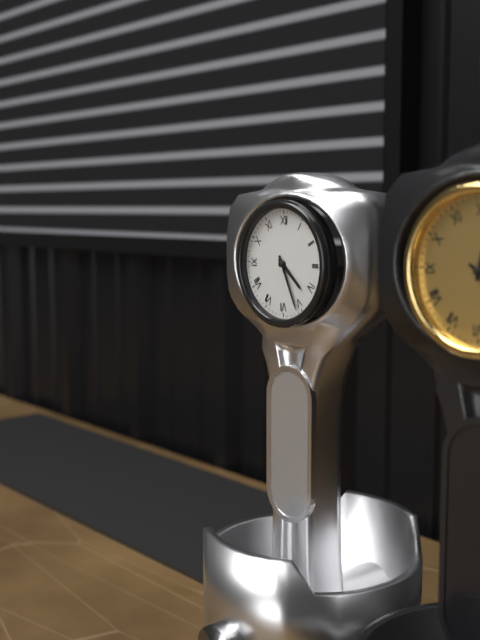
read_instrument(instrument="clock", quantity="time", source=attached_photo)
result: 4:26
